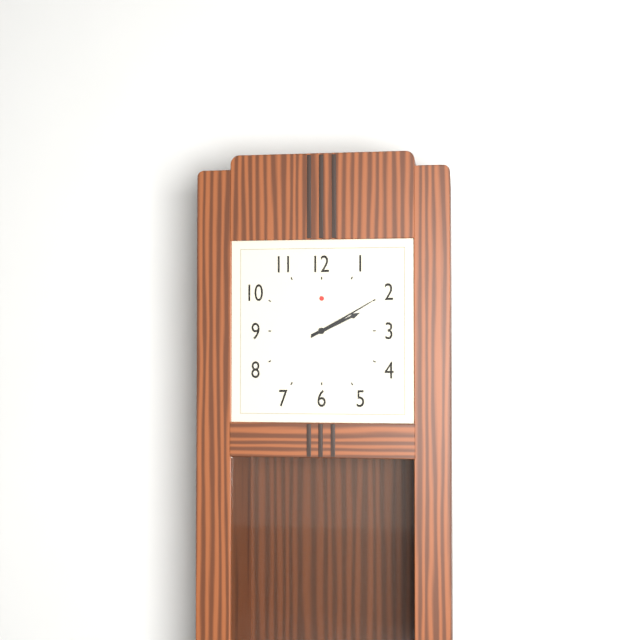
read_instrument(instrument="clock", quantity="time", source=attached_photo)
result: 2:10
